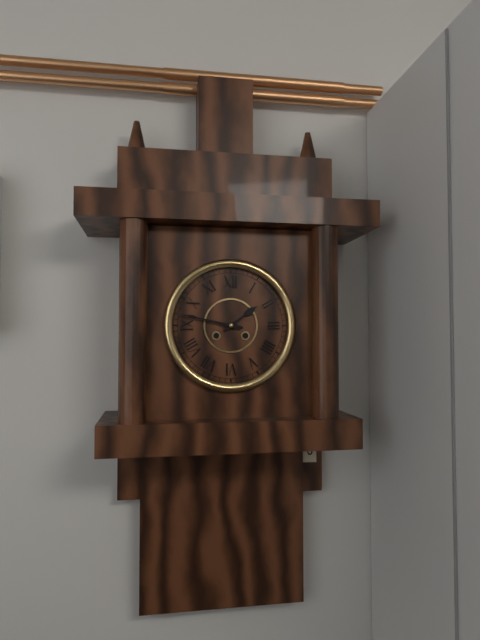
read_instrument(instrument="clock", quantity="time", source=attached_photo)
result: 1:47
